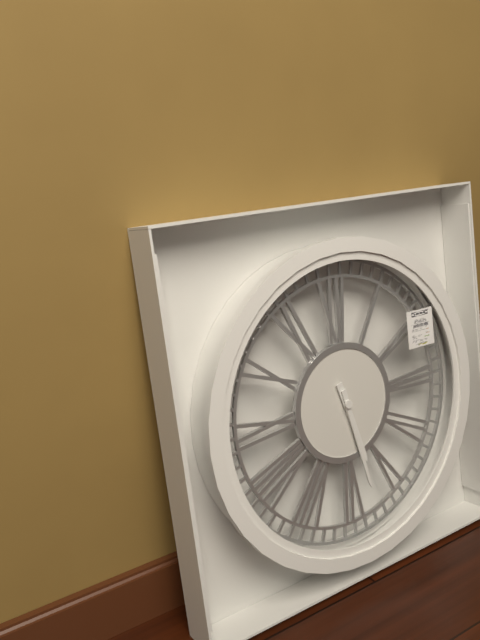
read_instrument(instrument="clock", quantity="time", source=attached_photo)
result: 5:28
